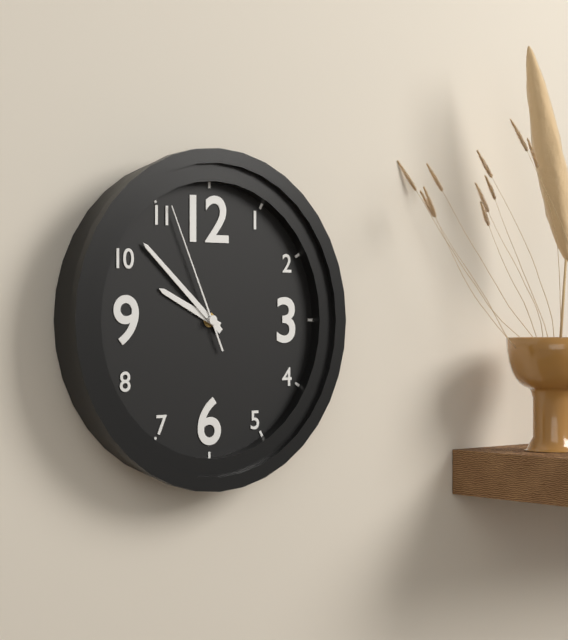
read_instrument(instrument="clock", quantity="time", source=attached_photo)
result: 9:52:56
